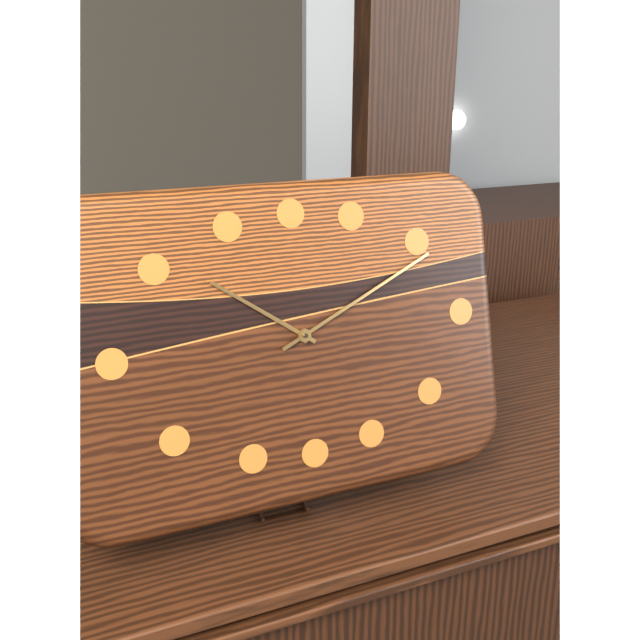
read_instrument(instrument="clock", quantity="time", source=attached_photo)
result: 10:11
